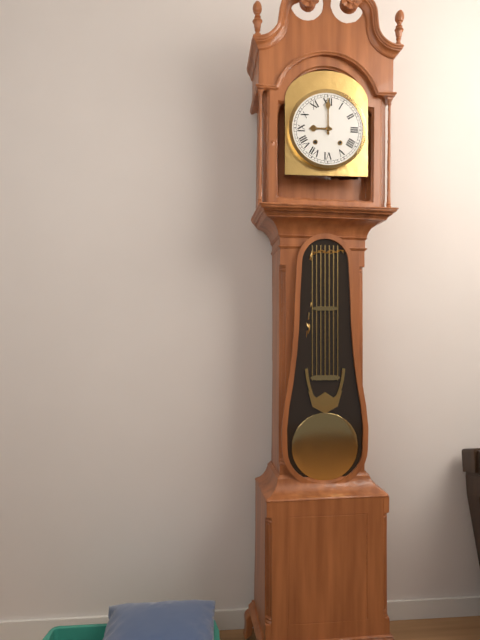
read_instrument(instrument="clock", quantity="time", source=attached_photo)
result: 9:00
